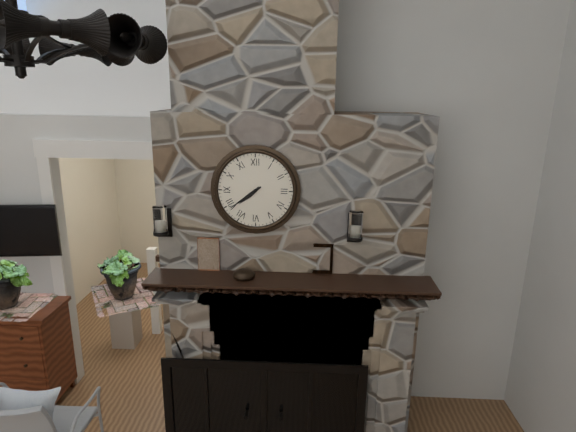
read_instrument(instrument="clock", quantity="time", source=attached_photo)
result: 7:39
